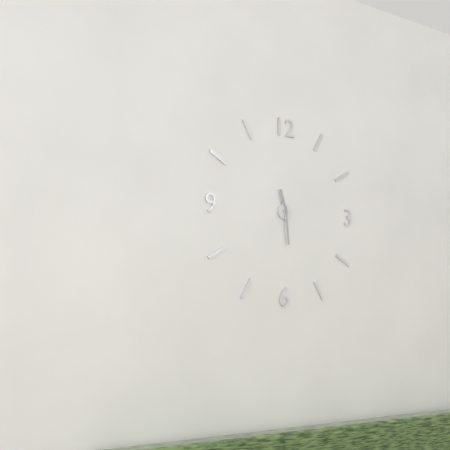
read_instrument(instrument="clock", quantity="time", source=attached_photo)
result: 11:29
